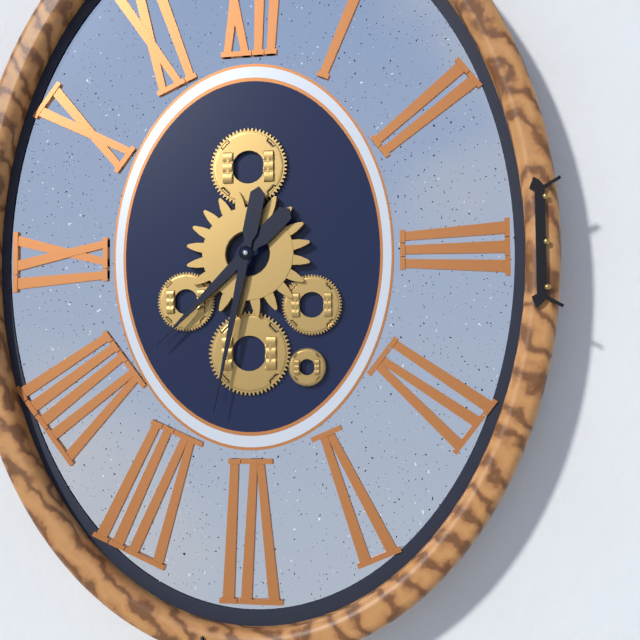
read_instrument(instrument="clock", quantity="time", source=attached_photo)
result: 7:32
